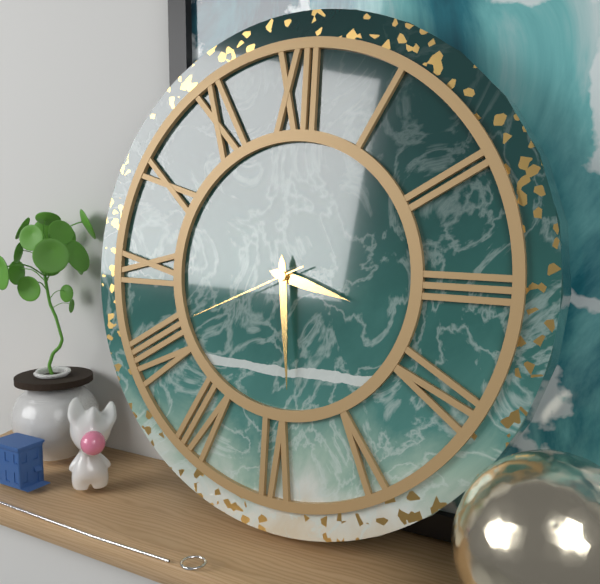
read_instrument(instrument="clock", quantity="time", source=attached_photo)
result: 3:29:41
